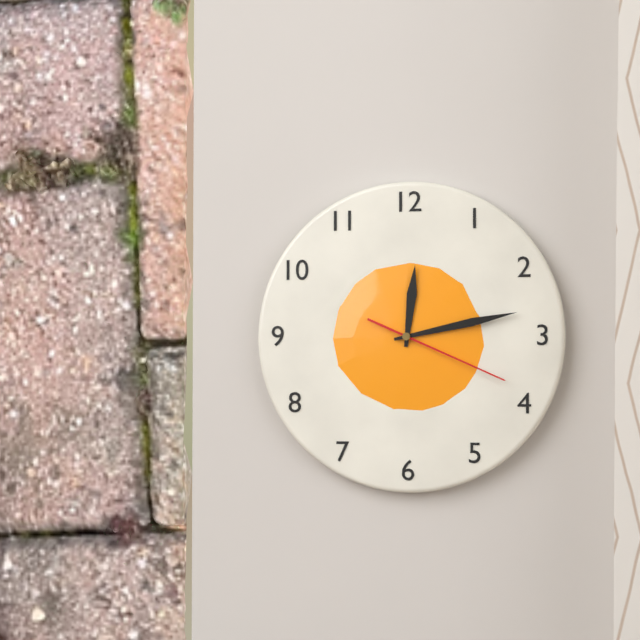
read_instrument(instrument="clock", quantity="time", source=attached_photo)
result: 12:13:19
